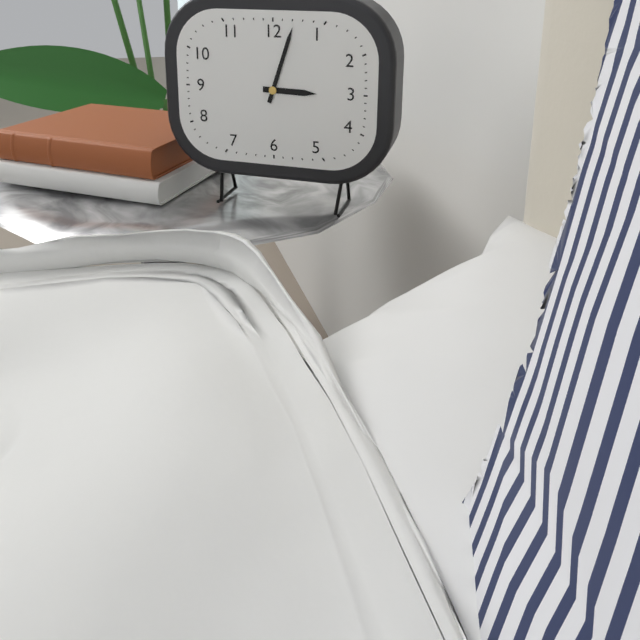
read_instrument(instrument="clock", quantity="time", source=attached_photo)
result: 3:03
